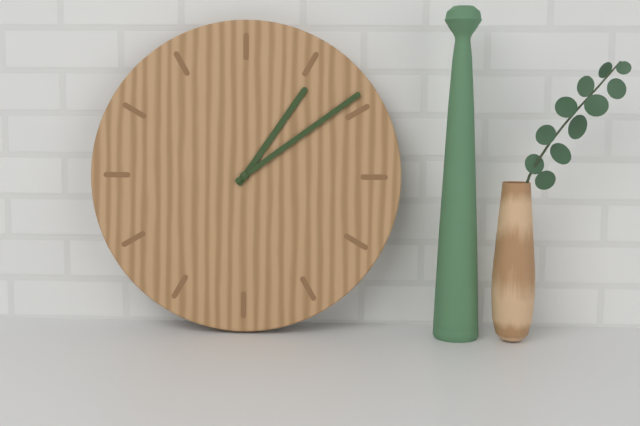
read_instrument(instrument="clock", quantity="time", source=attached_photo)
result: 1:09
